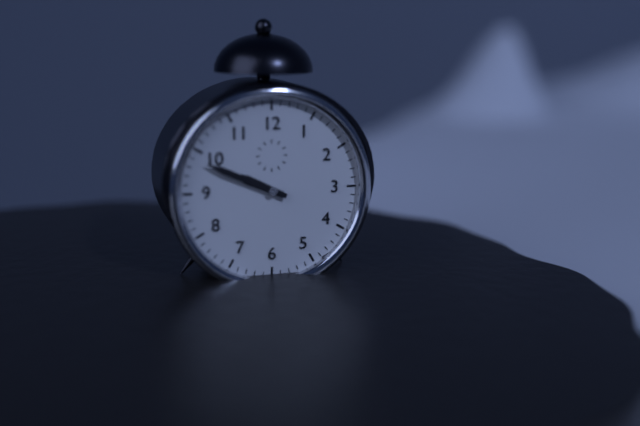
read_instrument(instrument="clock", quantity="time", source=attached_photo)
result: 9:49
